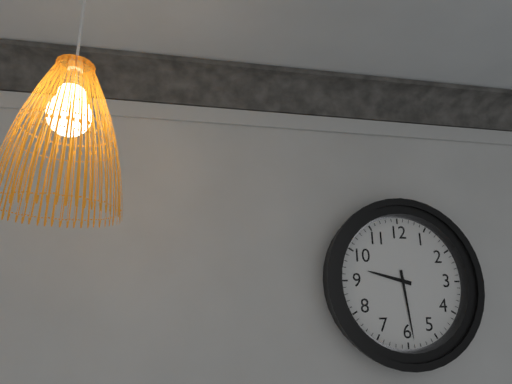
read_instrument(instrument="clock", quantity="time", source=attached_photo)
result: 9:29
